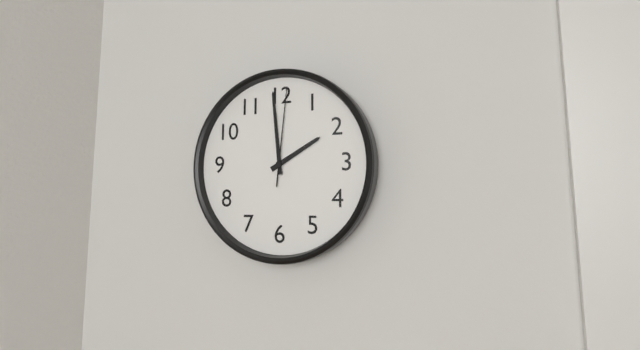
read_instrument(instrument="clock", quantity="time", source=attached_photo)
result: 1:59:01
